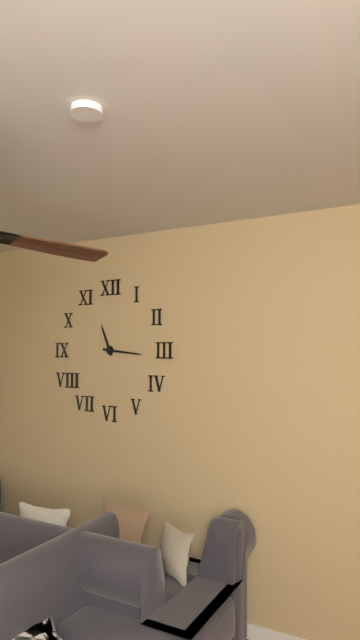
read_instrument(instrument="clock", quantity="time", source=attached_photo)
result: 11:16
